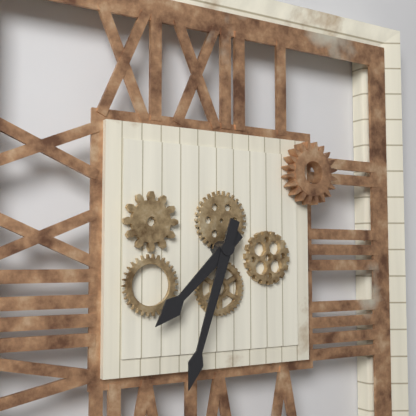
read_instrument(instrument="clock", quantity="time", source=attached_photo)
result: 7:33
